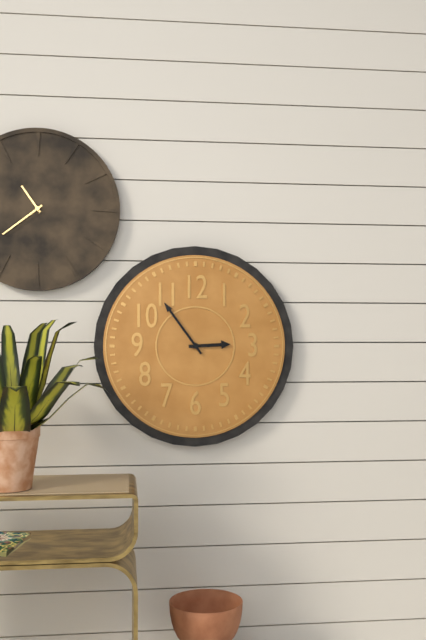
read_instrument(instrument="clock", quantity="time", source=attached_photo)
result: 2:54
